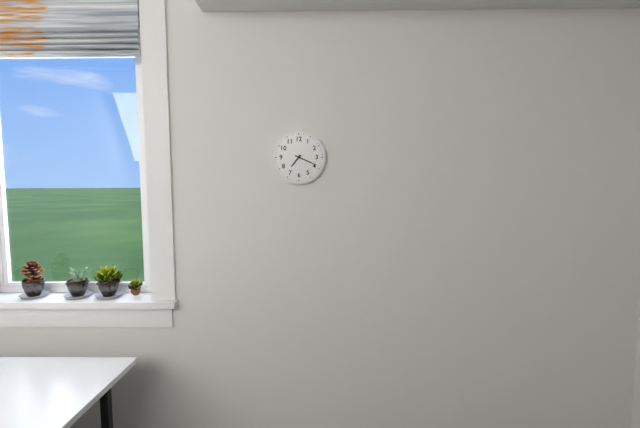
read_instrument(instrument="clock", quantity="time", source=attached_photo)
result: 7:19
